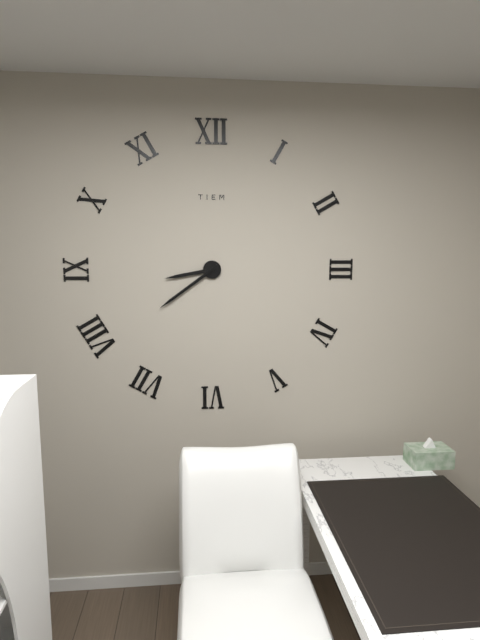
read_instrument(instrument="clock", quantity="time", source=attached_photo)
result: 8:39
